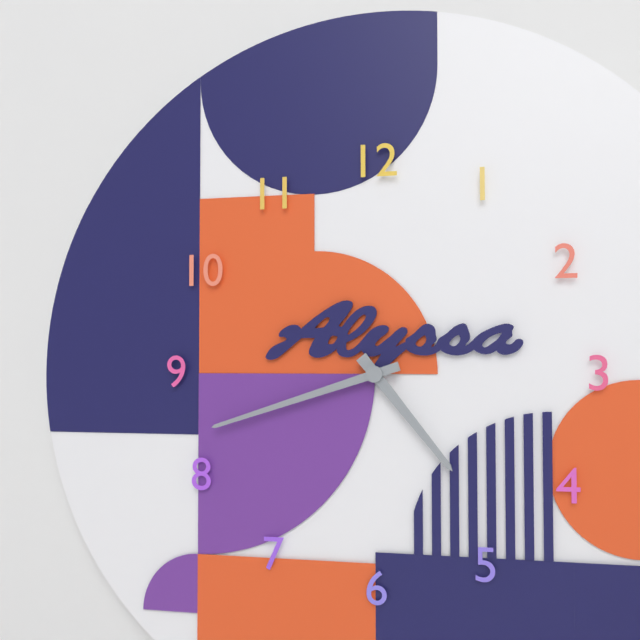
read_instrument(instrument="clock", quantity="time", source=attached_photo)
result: 4:42
